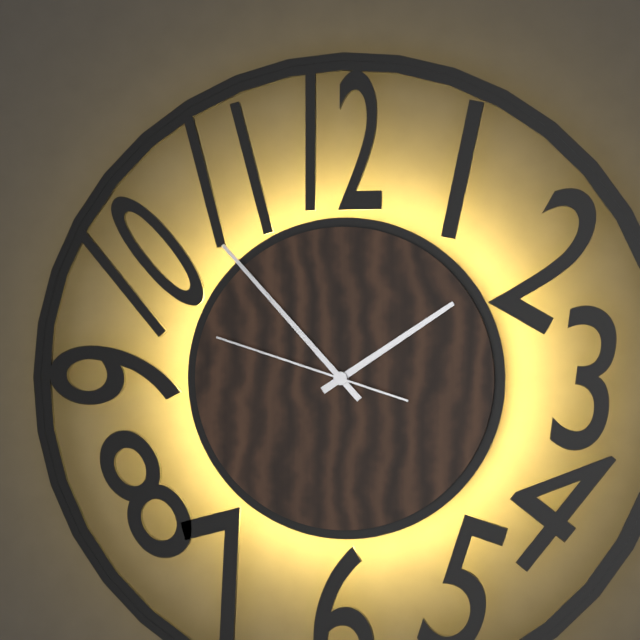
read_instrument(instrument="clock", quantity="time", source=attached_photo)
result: 1:53:48
